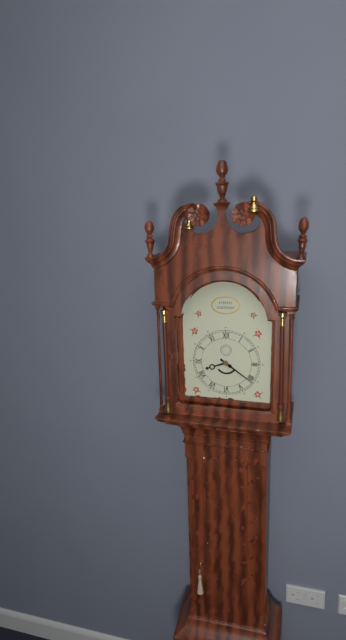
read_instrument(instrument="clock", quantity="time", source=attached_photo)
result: 8:21
